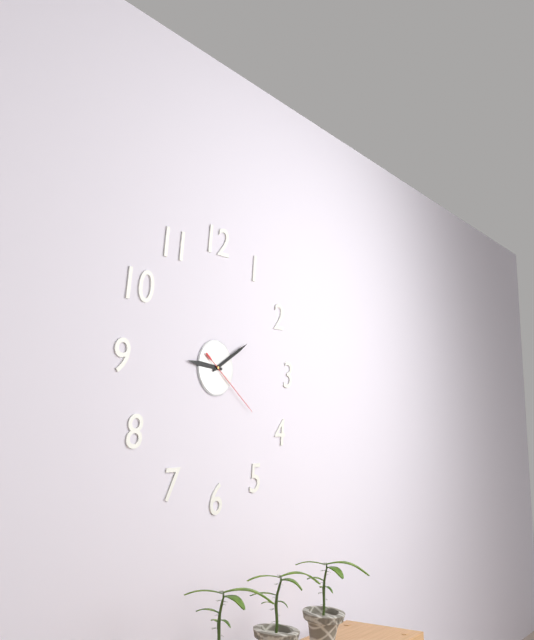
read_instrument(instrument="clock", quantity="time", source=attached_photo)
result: 9:10:21
